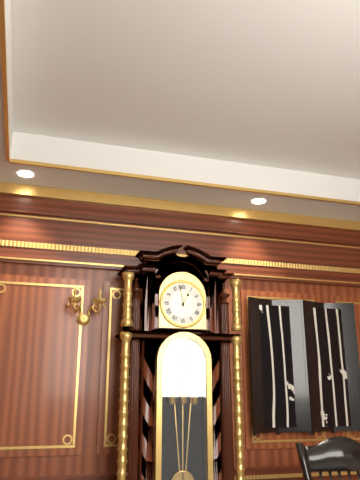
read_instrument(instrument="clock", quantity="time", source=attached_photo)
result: 12:58
